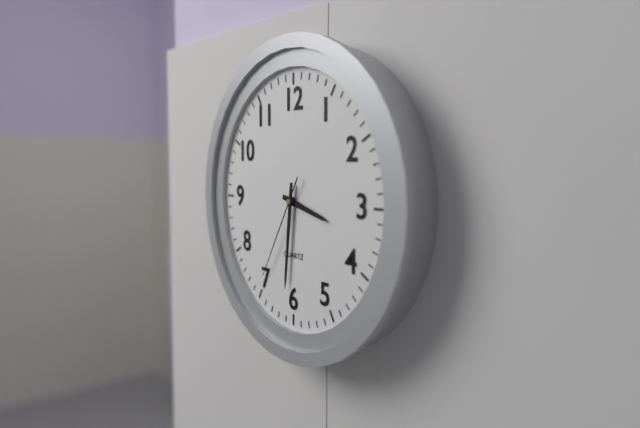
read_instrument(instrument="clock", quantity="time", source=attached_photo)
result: 3:31:35
